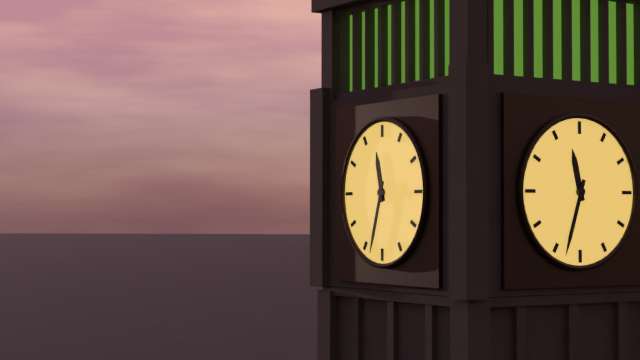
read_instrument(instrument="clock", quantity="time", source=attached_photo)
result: 11:33
